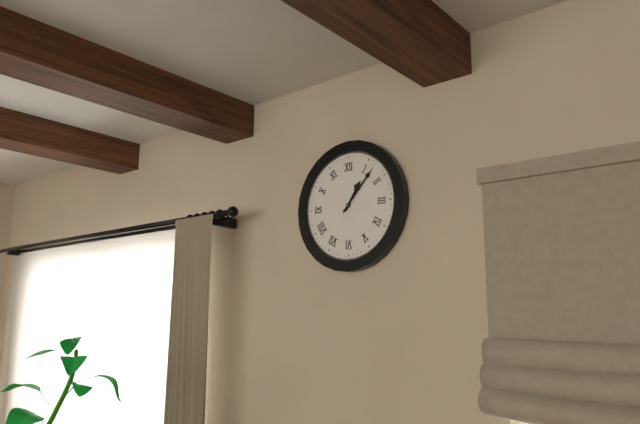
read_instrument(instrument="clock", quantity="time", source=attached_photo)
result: 1:07
